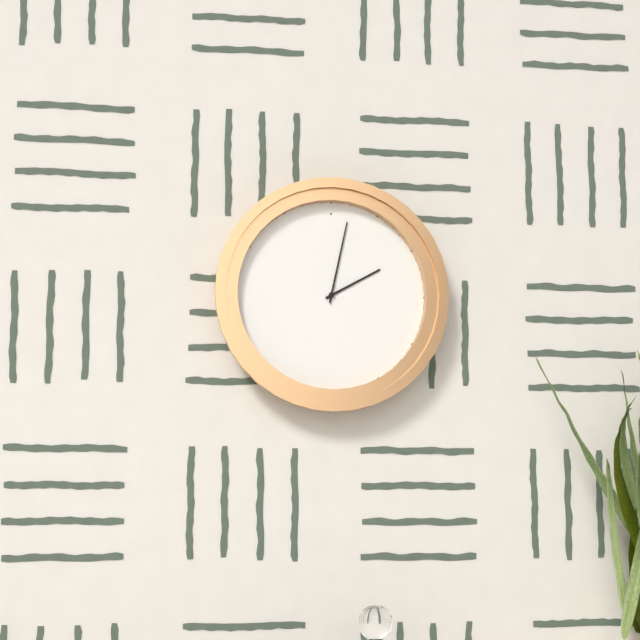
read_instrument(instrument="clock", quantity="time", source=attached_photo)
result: 2:02
